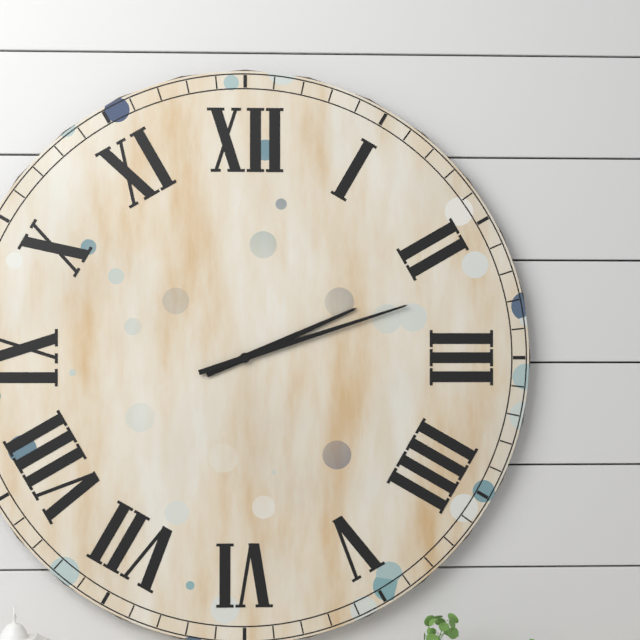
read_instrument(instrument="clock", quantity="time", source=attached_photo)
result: 2:12
